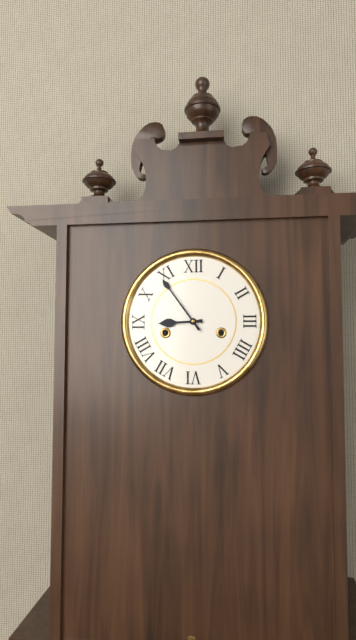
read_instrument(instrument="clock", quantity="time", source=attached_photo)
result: 8:54
